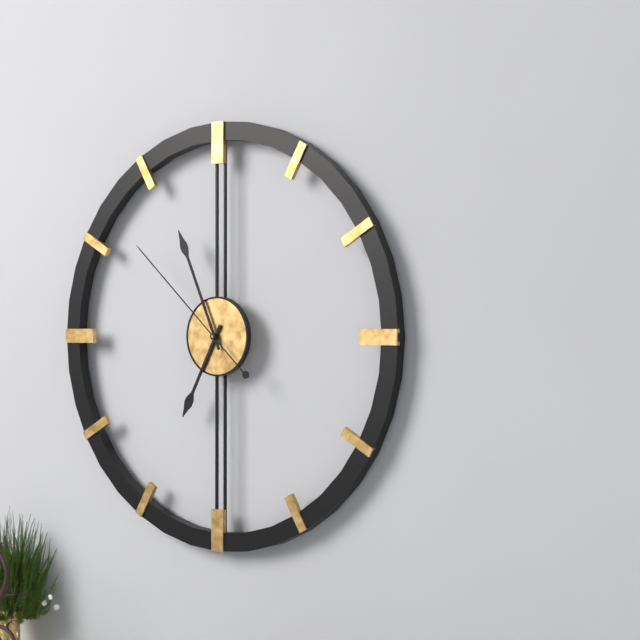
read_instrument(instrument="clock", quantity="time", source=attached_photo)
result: 6:56:52
